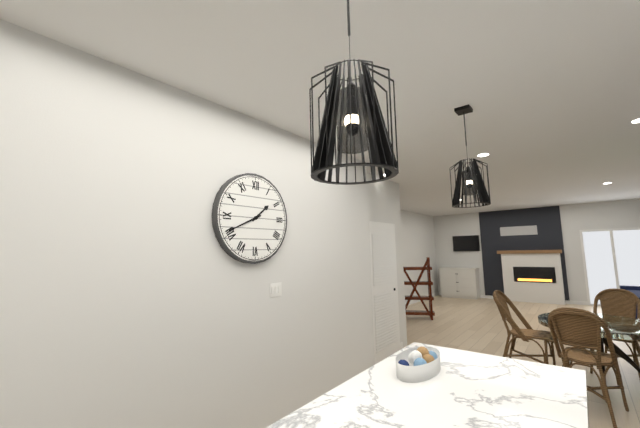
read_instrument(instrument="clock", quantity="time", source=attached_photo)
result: 1:41
